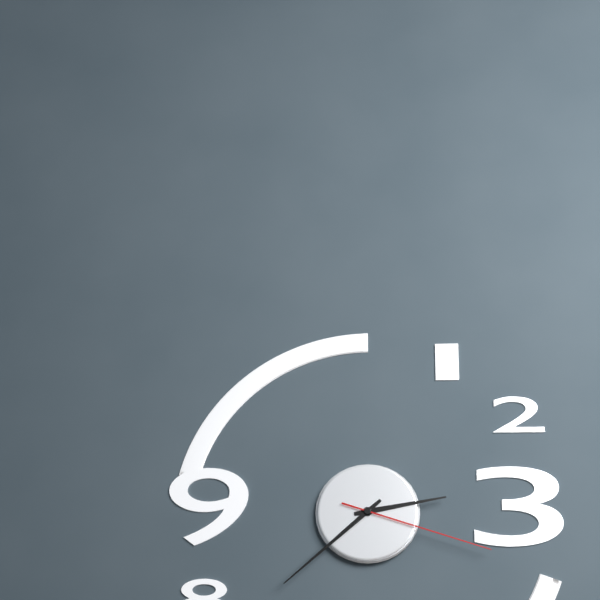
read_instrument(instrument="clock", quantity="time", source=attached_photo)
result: 2:38:18
